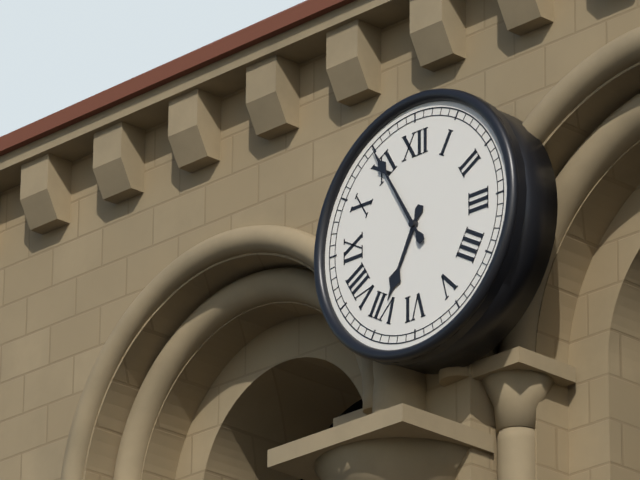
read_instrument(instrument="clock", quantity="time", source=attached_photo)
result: 6:55
